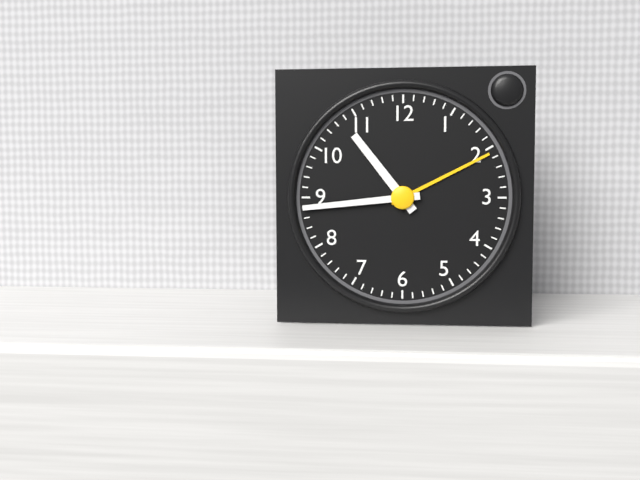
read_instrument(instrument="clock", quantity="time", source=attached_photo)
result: 10:44
